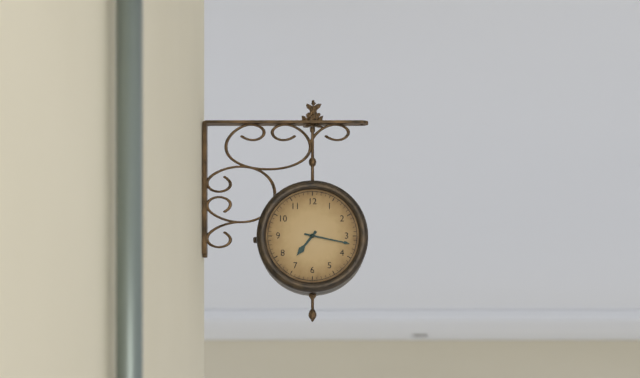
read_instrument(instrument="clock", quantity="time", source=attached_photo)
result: 7:17
